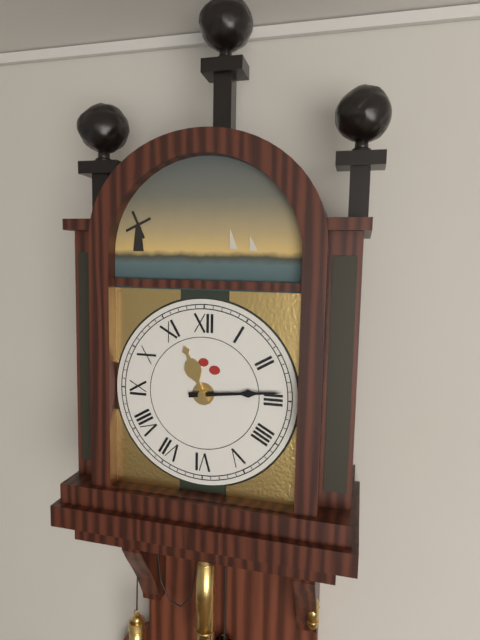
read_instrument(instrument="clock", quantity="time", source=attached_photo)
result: 11:14
